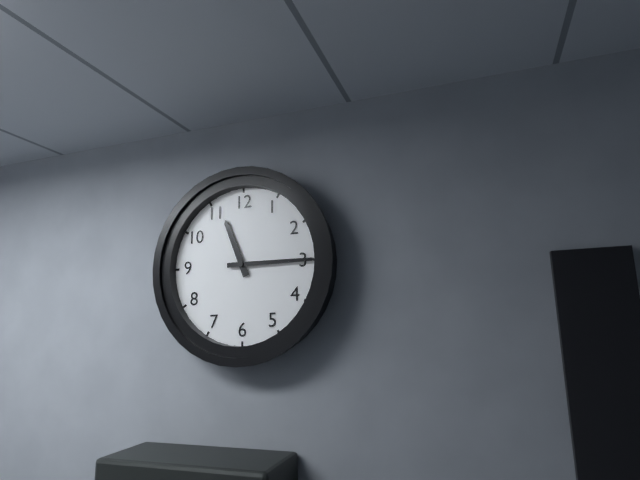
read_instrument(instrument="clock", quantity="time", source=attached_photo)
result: 11:15
